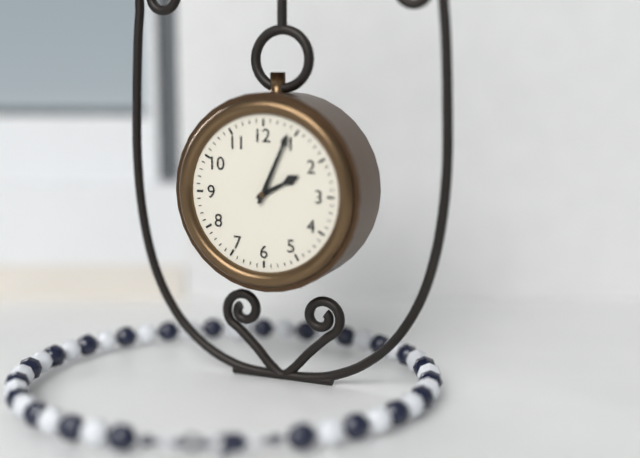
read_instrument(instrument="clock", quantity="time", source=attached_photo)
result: 2:04
